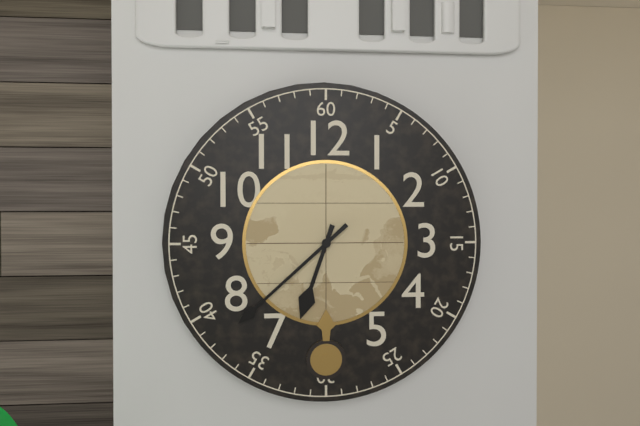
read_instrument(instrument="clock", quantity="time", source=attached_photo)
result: 6:38
